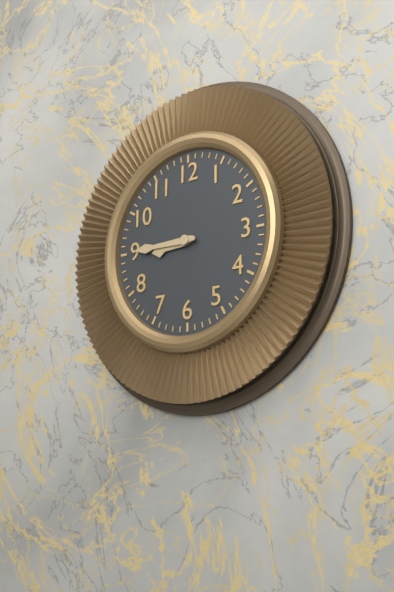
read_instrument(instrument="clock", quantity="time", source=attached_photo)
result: 8:45
